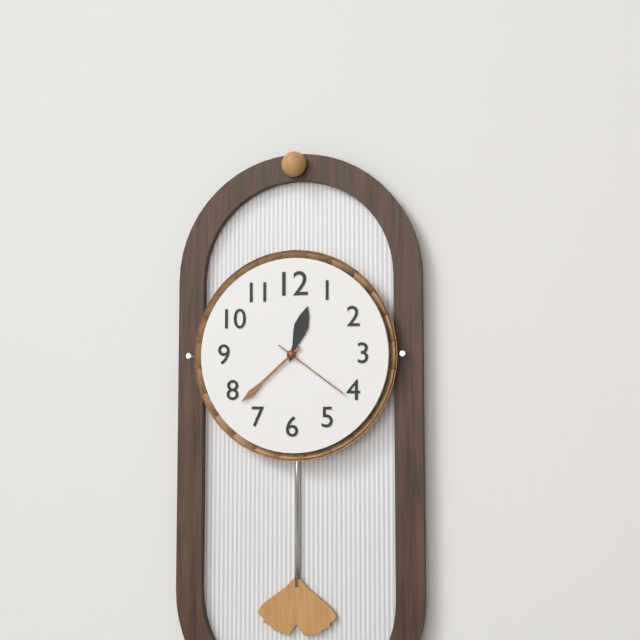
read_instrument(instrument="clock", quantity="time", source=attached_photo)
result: 12:38:21
